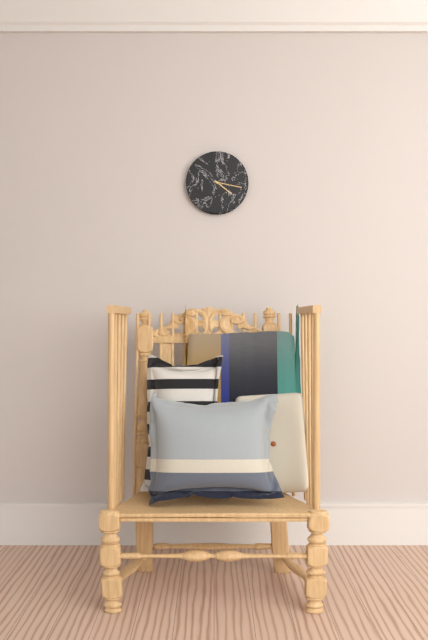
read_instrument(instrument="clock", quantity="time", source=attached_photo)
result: 4:17
